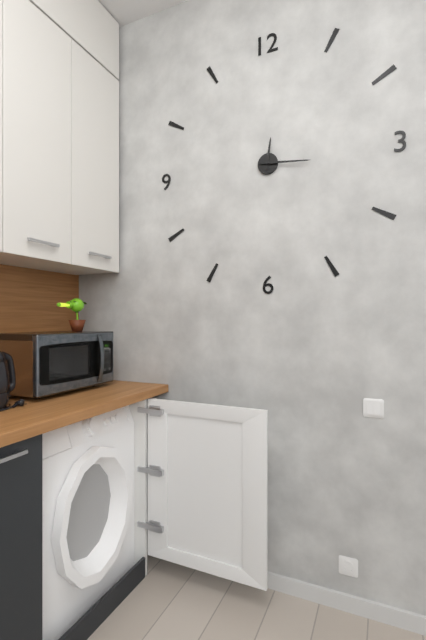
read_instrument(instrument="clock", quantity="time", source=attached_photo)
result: 12:16
